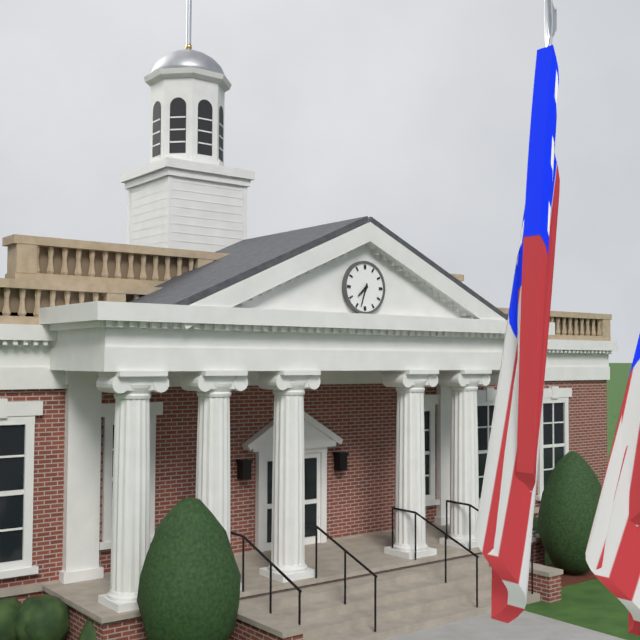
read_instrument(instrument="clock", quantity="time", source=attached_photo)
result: 7:33
